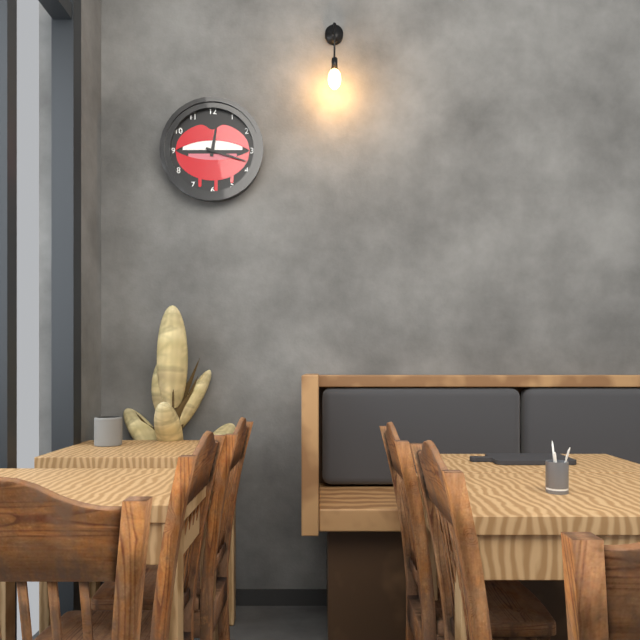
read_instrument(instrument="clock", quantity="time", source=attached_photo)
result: 12:18
